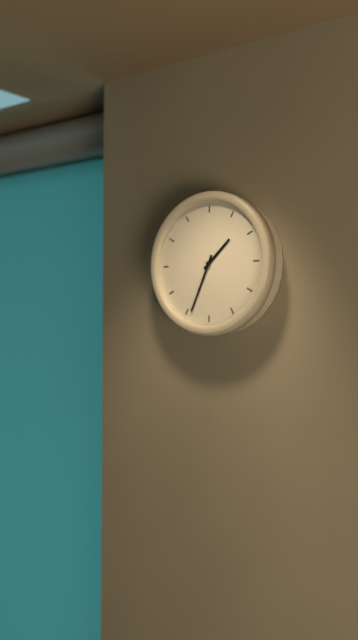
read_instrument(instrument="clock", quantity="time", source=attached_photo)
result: 1:34
